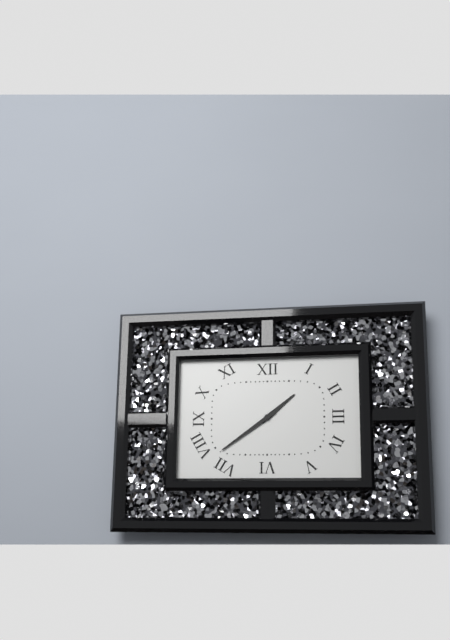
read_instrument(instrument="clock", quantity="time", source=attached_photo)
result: 1:39
